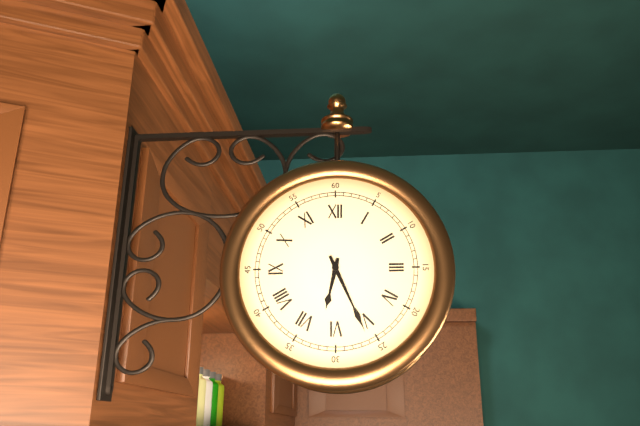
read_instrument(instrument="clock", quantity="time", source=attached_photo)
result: 6:26
